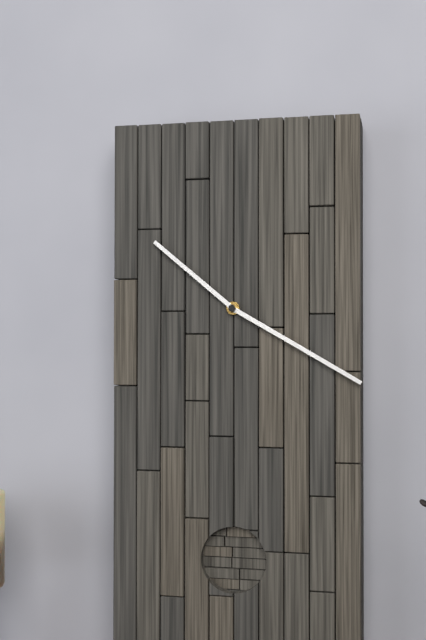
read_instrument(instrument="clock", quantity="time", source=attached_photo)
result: 10:20
